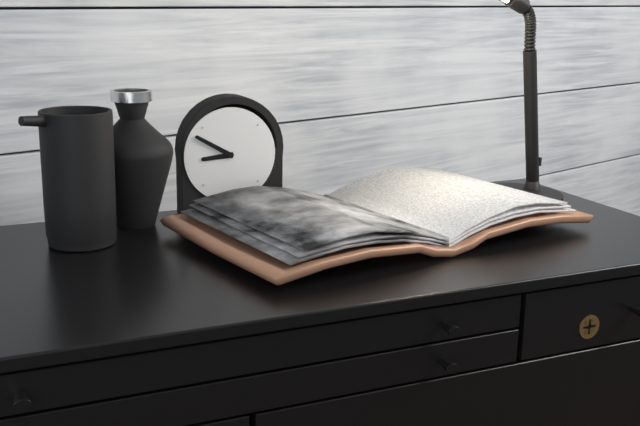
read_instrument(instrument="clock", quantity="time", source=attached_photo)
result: 8:50
